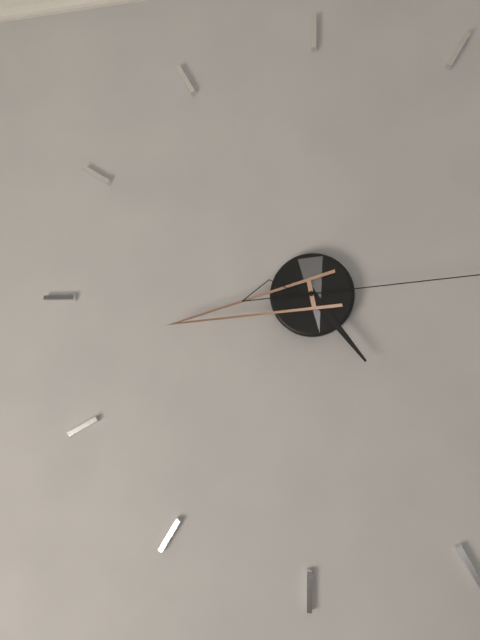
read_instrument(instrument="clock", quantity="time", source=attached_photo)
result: 4:43
